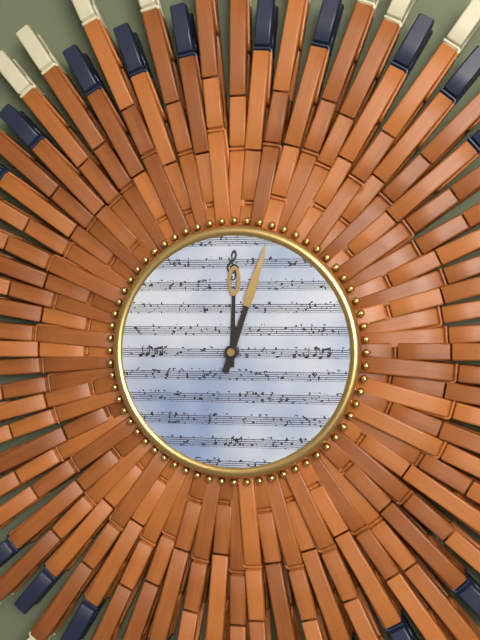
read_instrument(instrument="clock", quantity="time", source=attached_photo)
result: 12:03
